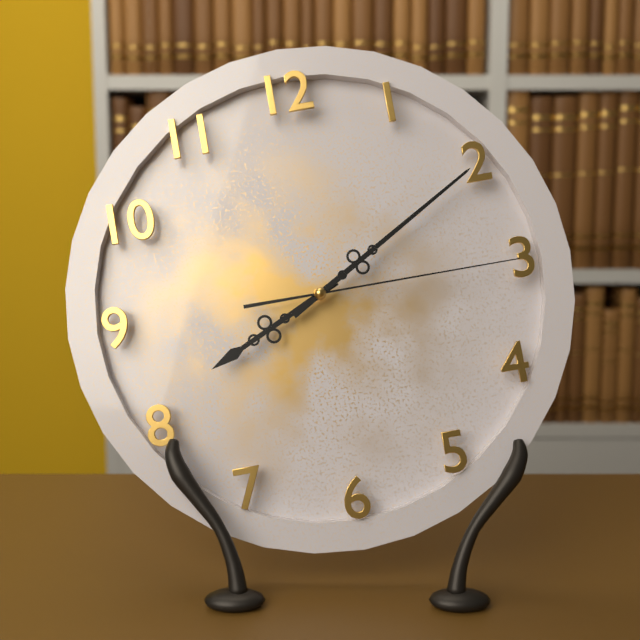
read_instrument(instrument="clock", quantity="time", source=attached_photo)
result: 8:10:15
